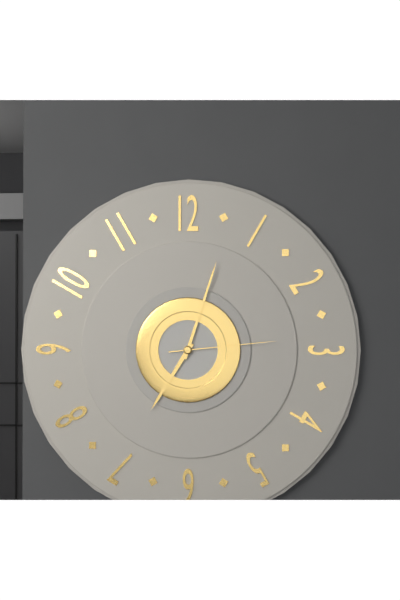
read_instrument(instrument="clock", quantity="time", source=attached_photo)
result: 7:03:14
